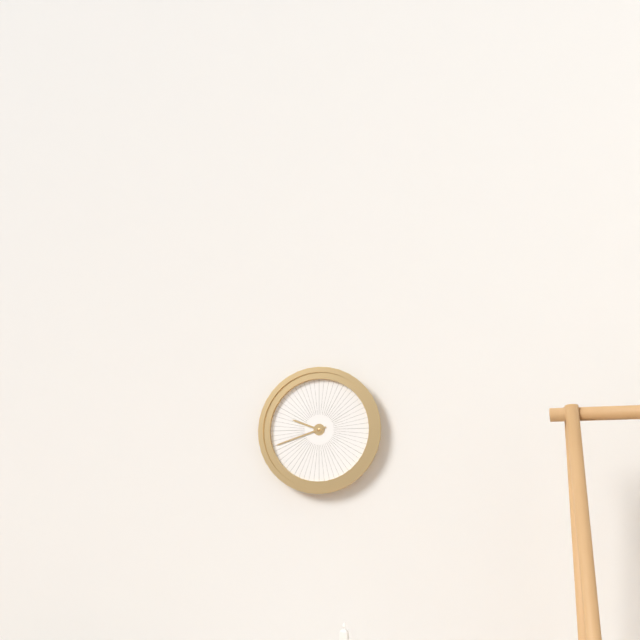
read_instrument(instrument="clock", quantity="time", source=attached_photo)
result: 9:42
